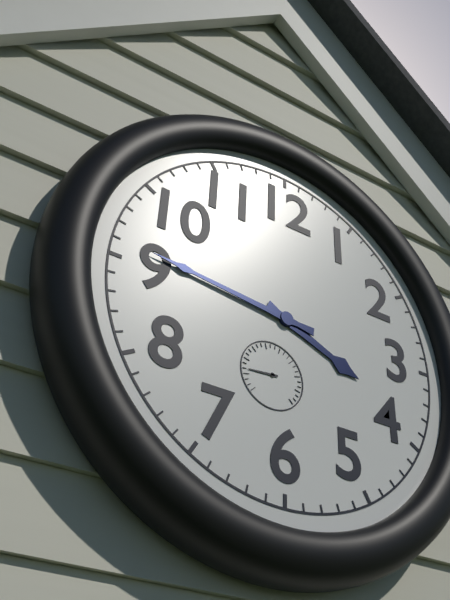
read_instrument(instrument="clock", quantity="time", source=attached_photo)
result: 3:46
